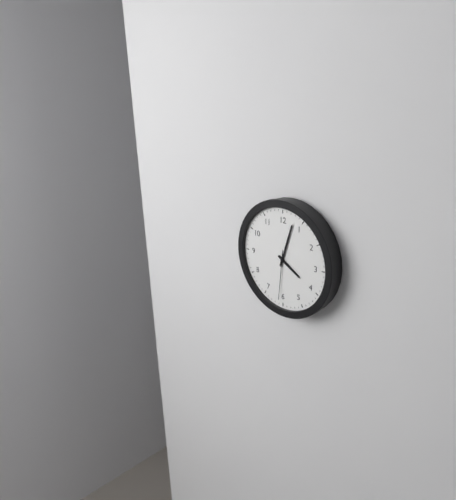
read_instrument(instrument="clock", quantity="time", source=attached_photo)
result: 4:03:31
